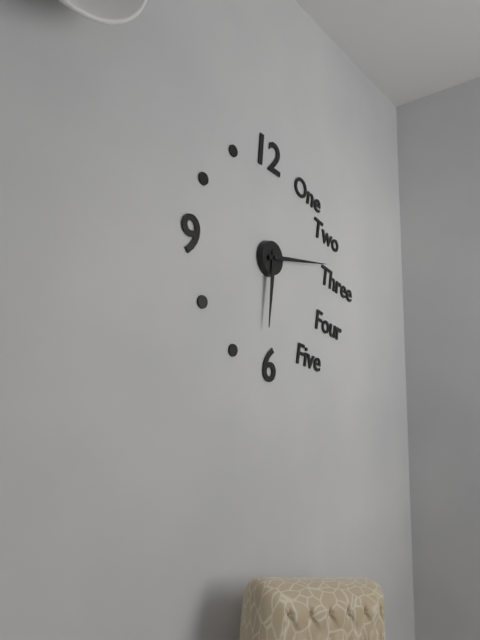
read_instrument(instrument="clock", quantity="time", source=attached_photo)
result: 6:14
